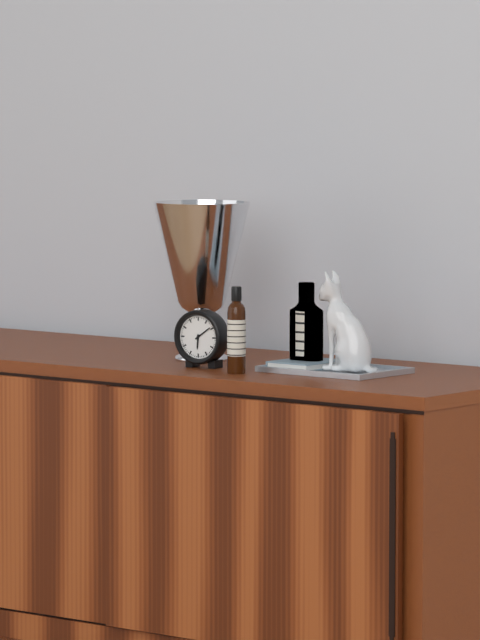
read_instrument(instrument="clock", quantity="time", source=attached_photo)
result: 6:09
